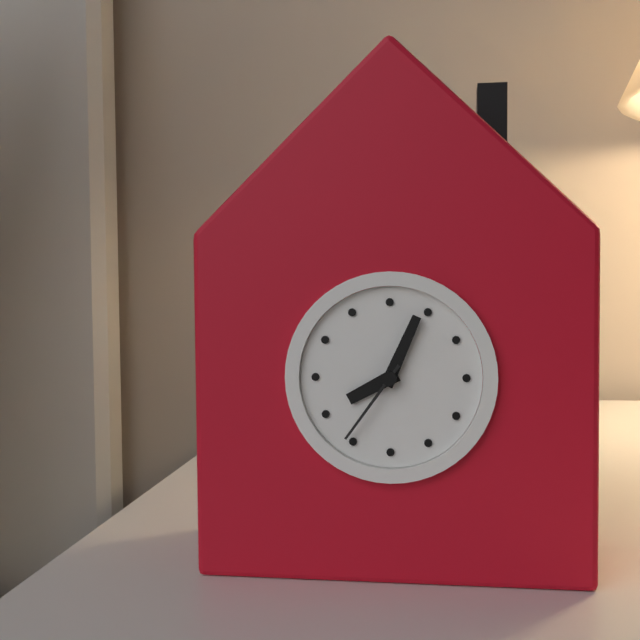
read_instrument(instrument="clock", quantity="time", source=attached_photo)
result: 8:04:36
